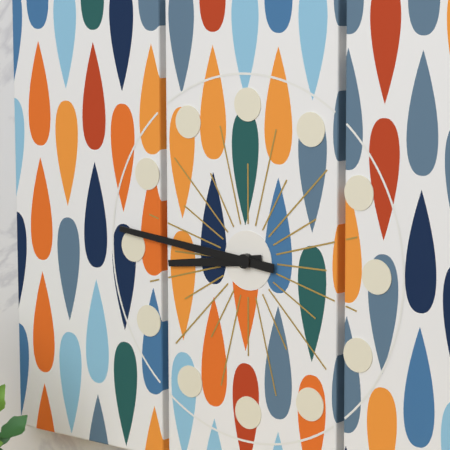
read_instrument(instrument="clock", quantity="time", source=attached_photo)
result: 8:46
